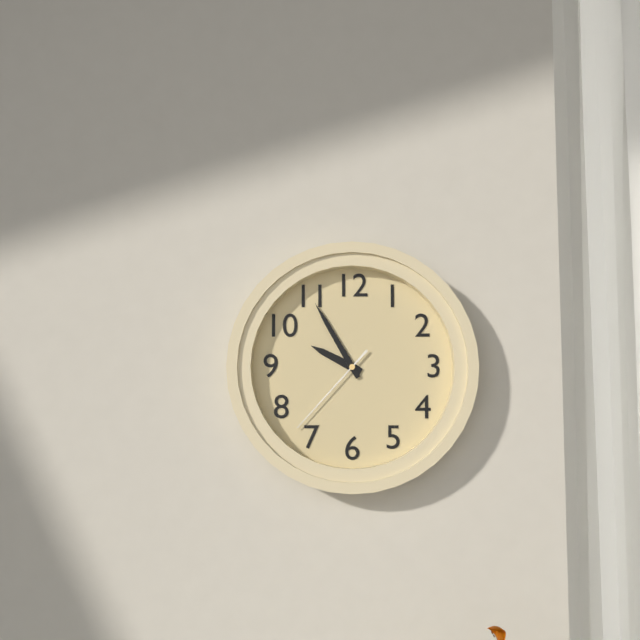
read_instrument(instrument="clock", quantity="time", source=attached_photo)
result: 9:55:37
